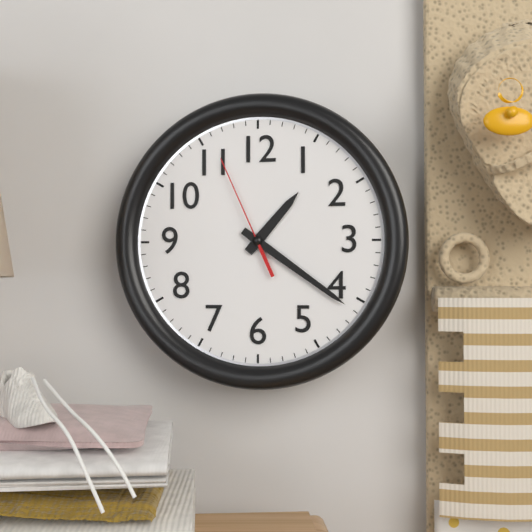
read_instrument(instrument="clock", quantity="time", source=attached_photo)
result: 1:21:56
